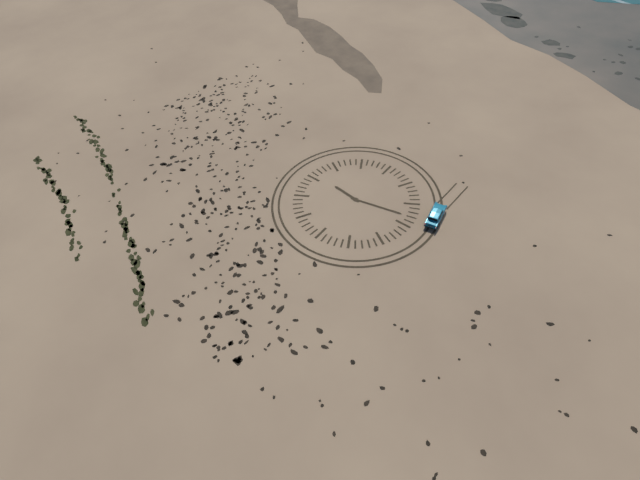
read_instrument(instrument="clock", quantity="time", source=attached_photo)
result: 9:13
